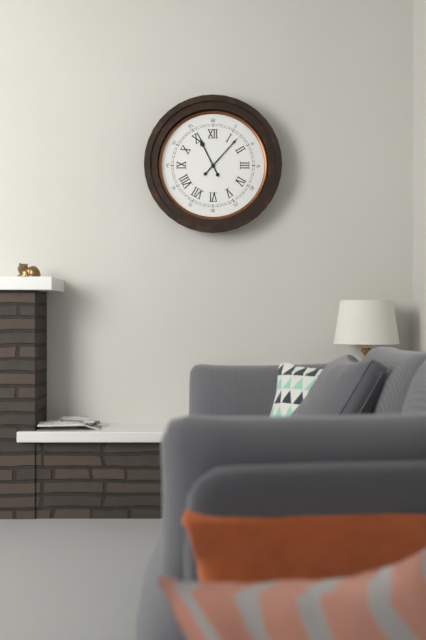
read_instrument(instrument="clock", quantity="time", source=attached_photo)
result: 11:07
